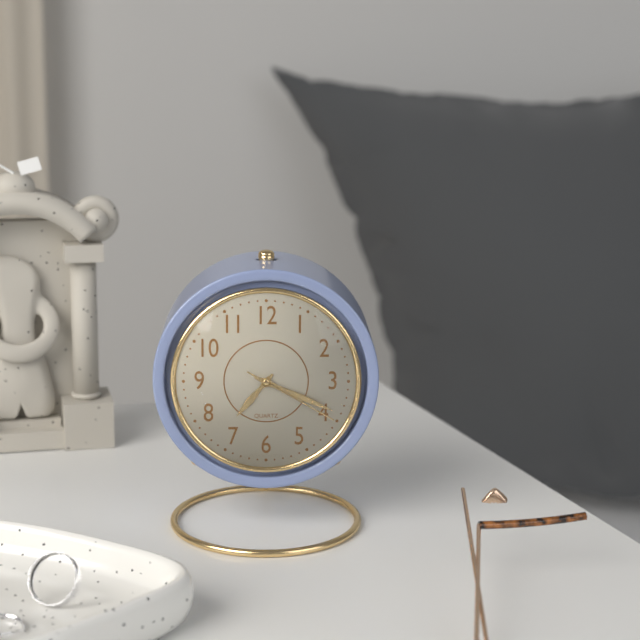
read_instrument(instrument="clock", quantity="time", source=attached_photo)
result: 7:19:20
